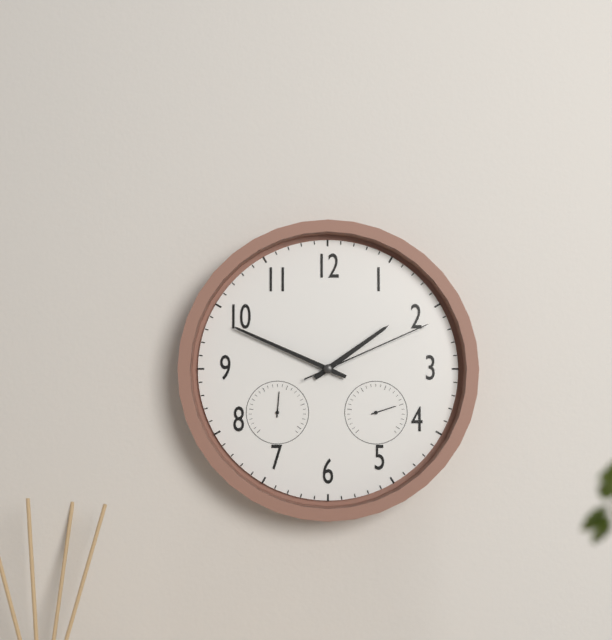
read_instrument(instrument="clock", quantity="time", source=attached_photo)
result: 1:49:11
